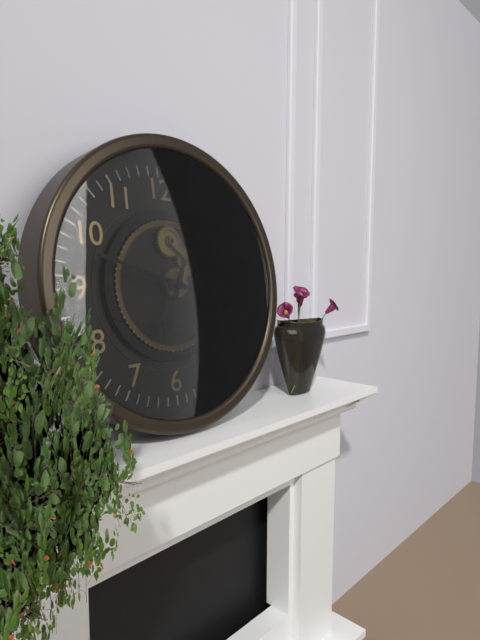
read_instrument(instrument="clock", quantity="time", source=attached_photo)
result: 6:48
